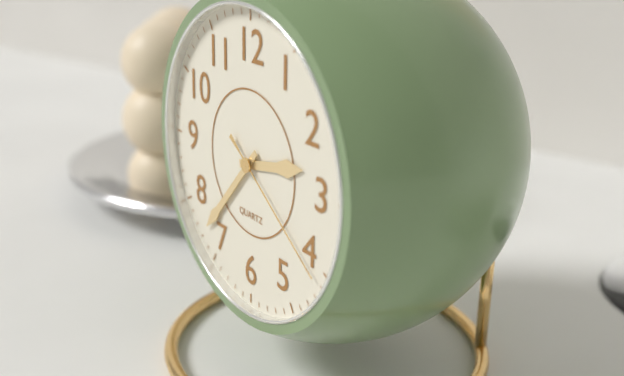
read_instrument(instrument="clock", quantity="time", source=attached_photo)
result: 2:37:21
